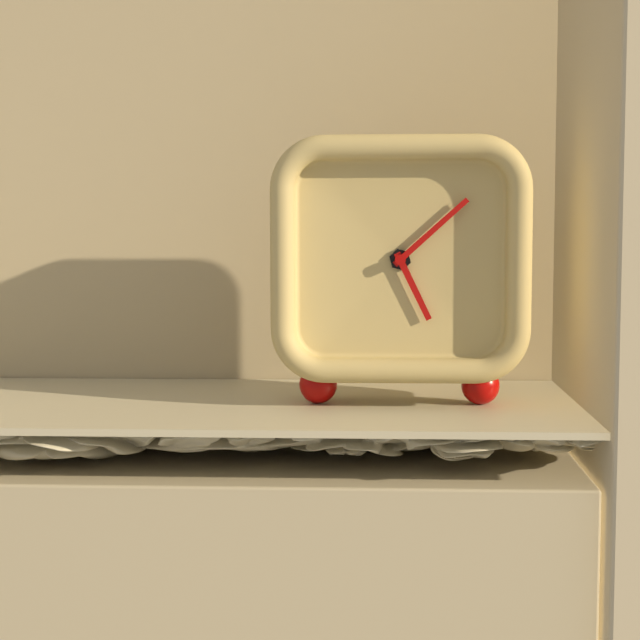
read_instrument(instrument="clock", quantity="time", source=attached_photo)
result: 5:08
